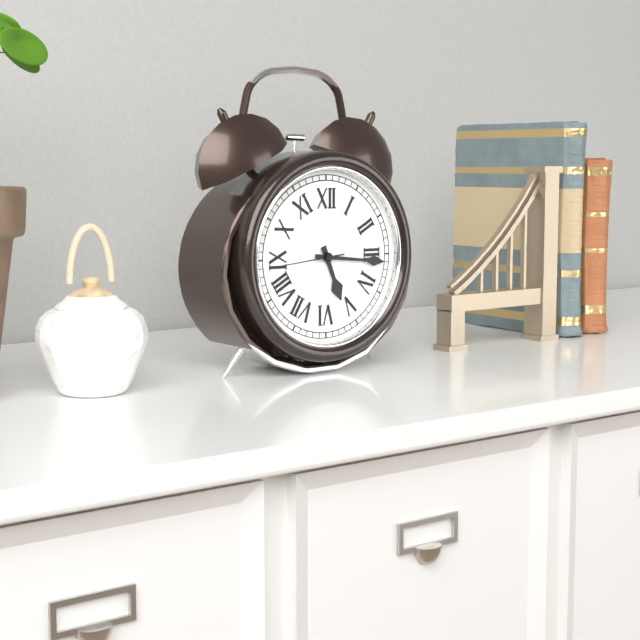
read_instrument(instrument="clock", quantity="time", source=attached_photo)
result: 5:16:44
